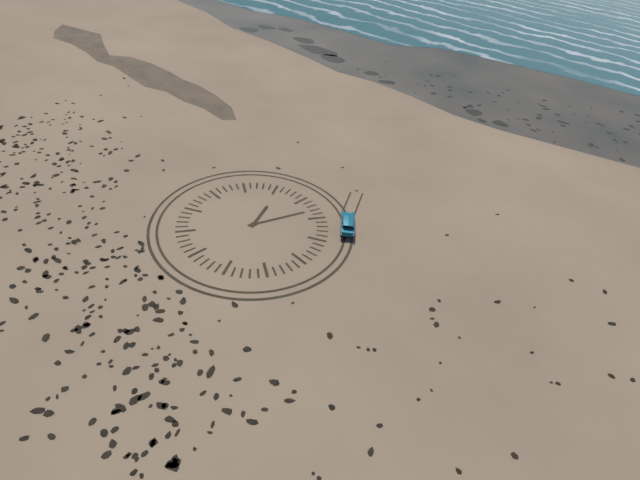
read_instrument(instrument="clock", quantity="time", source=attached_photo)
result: 12:08
